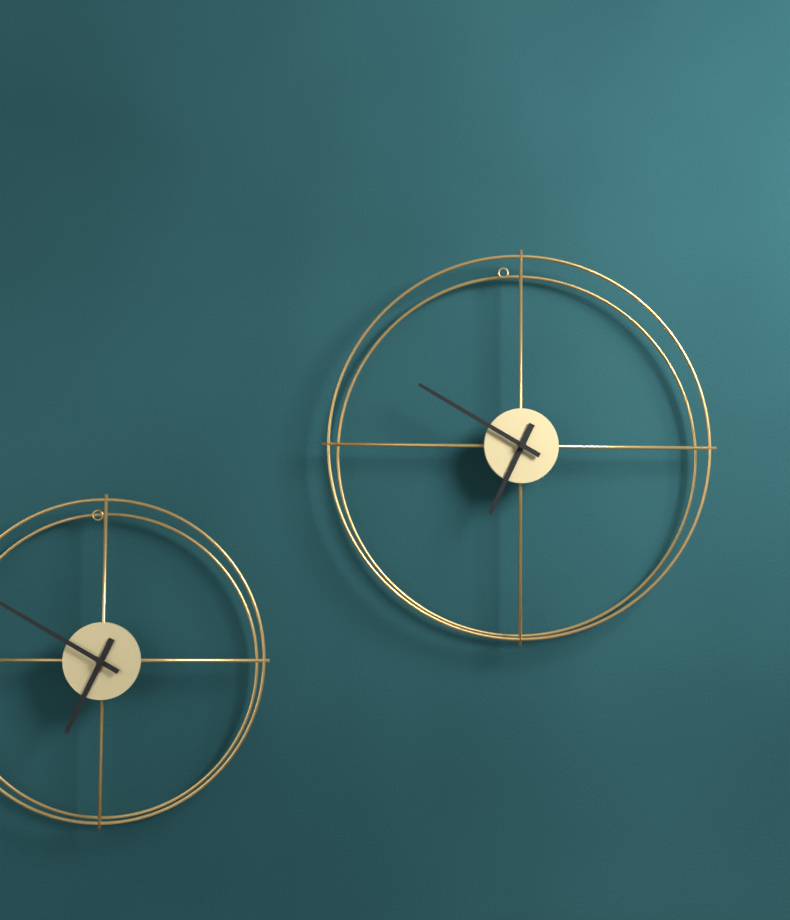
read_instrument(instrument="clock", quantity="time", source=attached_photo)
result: 6:50
